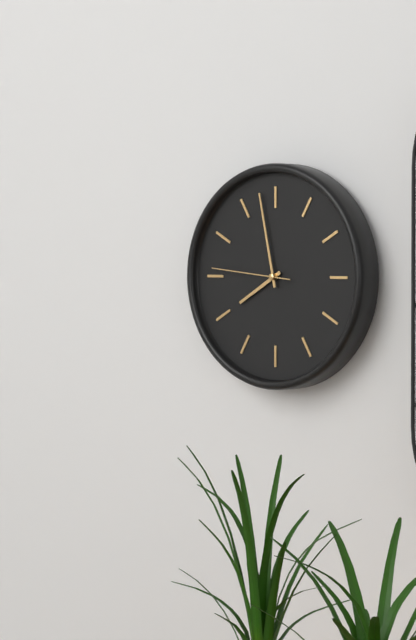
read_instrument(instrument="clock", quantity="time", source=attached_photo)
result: 7:58:46
